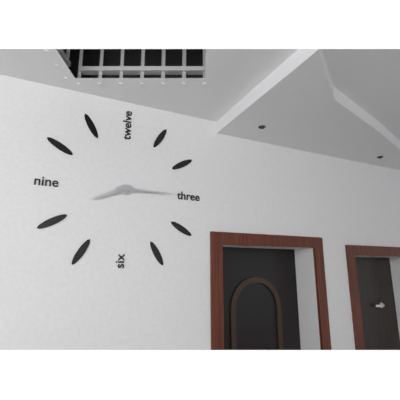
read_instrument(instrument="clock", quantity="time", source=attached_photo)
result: 8:15
